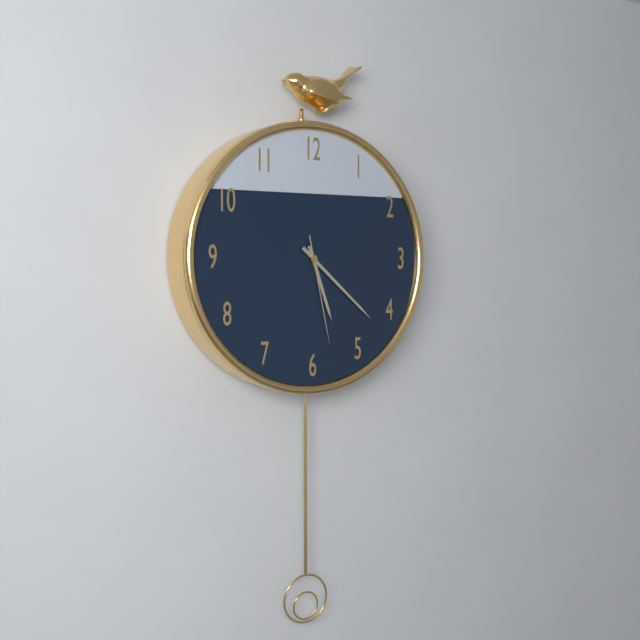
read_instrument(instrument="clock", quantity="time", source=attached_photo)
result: 5:22:28
